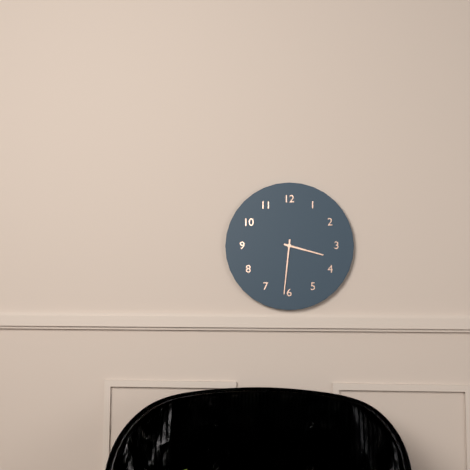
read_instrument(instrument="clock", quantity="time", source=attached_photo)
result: 3:31
